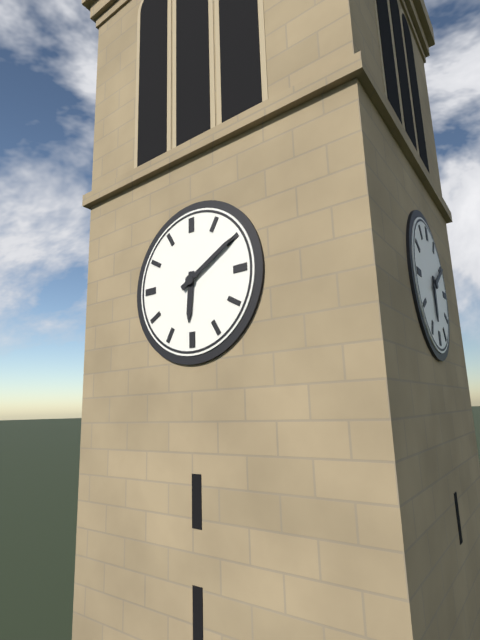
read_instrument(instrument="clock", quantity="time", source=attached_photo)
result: 6:10
